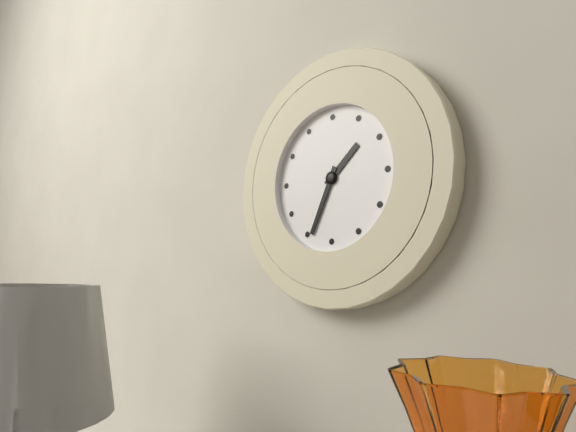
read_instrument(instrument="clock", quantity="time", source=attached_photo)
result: 1:34
